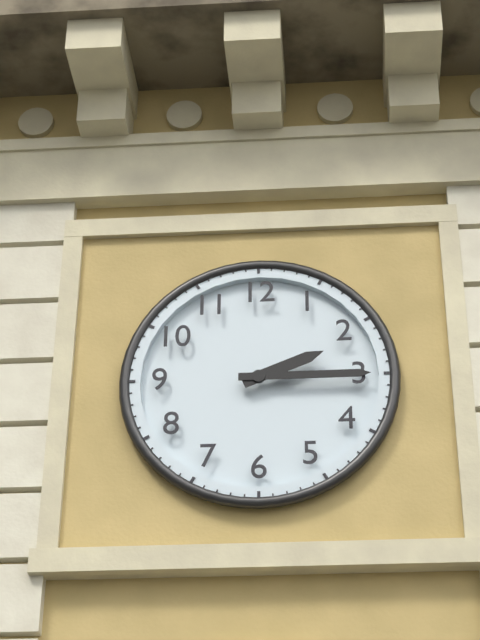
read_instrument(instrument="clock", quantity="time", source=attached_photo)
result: 2:15
